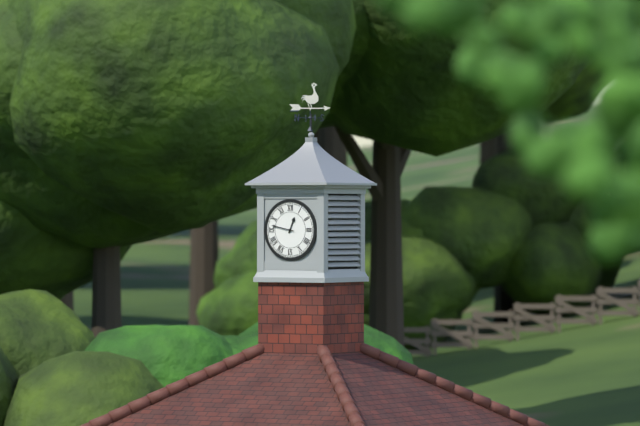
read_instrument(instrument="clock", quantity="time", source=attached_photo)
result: 12:47
